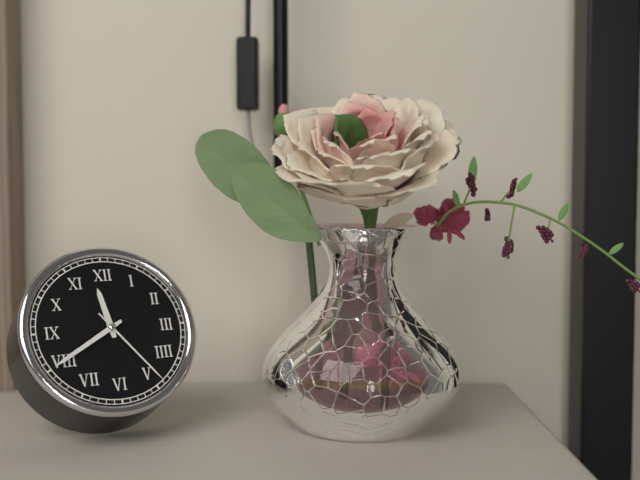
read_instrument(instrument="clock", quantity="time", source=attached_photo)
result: 11:40:24
